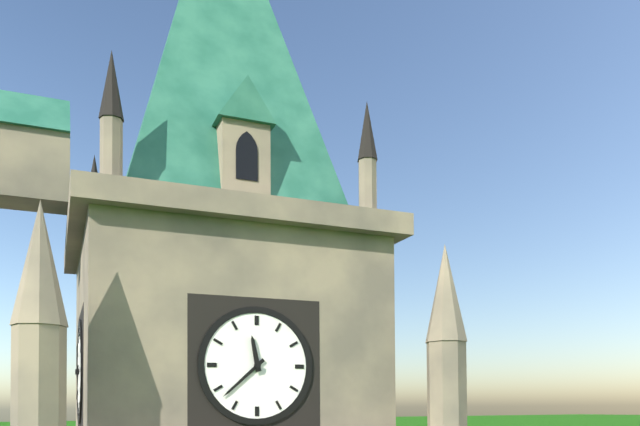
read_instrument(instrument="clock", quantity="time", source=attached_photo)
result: 11:38
